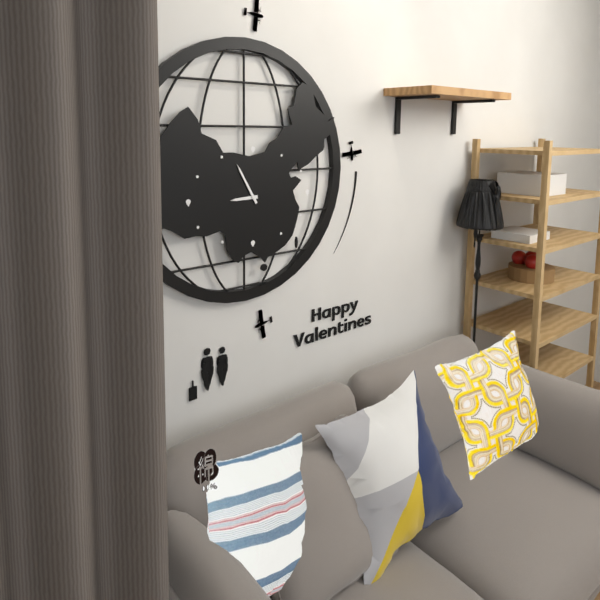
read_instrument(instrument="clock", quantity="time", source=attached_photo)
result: 8:55
